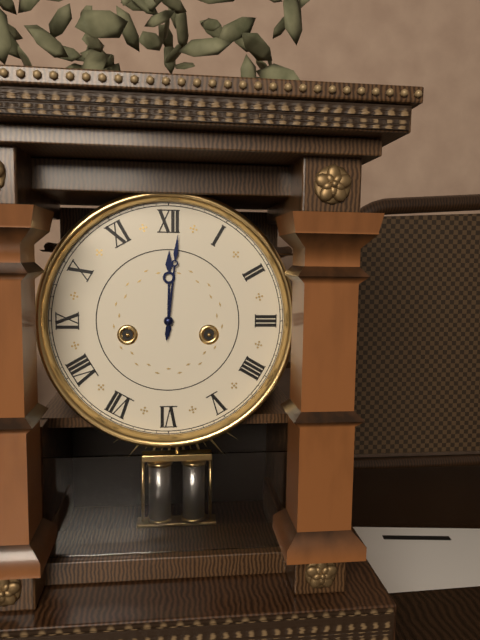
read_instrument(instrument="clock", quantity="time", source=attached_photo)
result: 12:01
